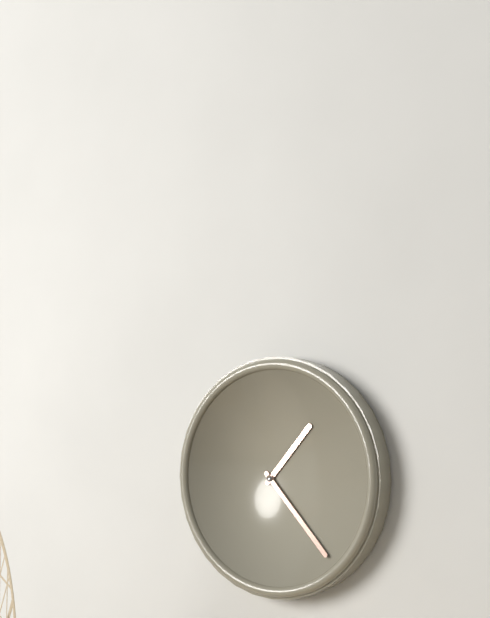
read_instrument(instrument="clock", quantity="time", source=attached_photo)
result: 1:23
